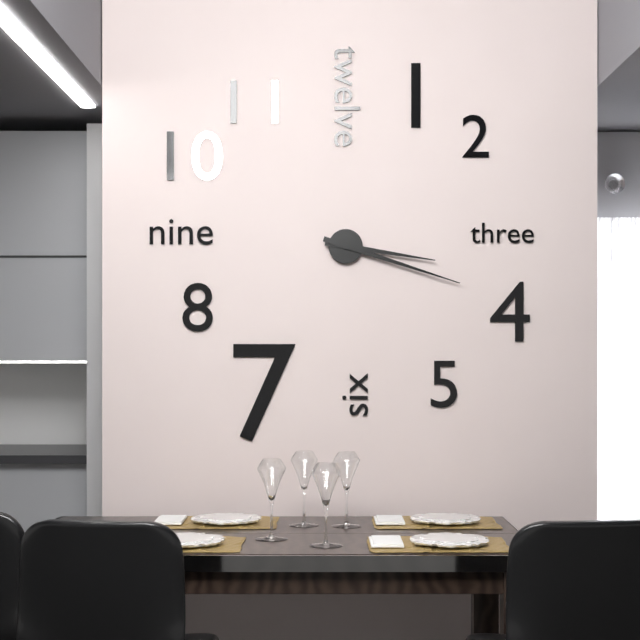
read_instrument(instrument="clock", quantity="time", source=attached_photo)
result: 3:18
